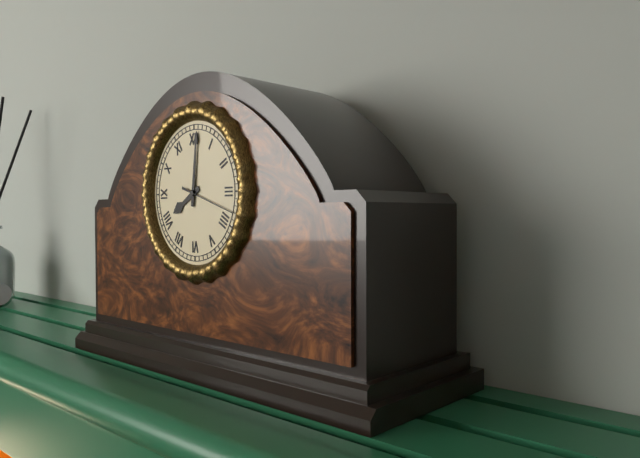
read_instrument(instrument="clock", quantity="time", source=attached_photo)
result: 8:01
